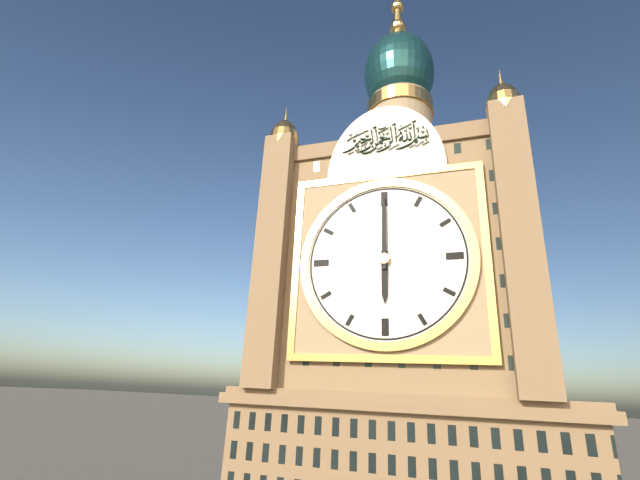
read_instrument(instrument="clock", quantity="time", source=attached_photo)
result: 6:00
